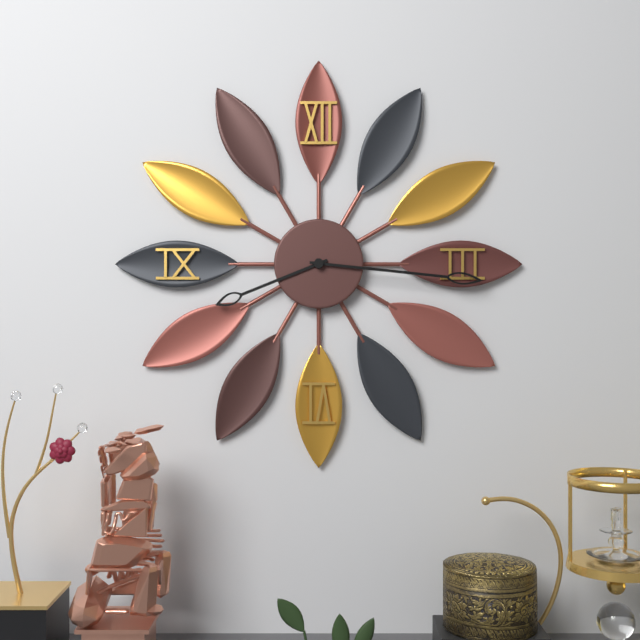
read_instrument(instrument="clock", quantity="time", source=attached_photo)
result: 8:16
